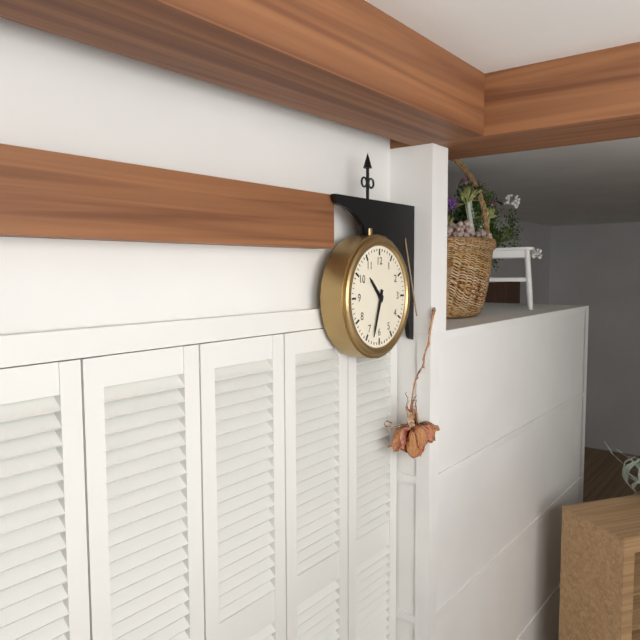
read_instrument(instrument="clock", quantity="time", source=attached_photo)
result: 10:33
